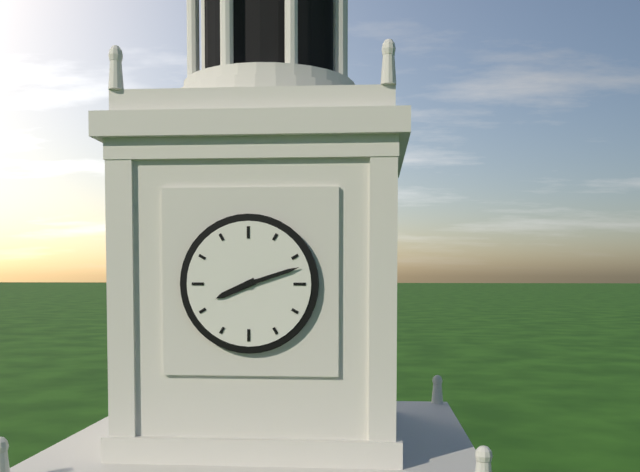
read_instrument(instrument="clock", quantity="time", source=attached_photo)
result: 8:12
